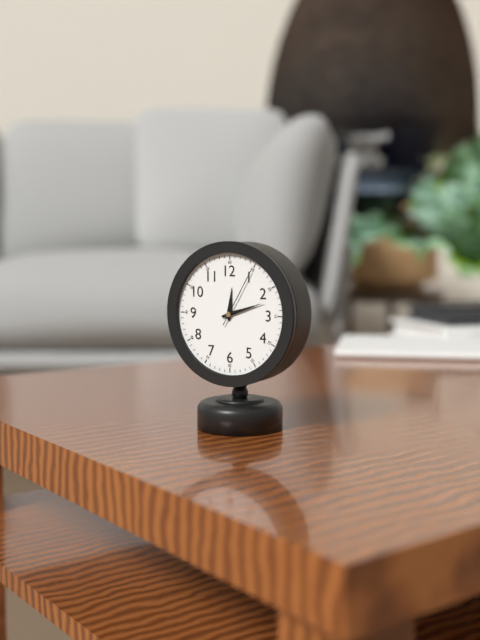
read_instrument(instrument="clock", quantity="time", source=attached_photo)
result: 12:12:05
